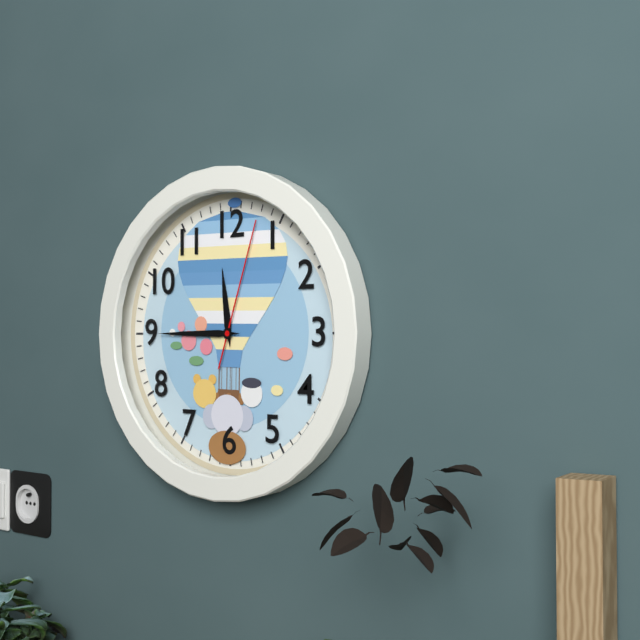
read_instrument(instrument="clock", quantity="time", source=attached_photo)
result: 11:45:03
